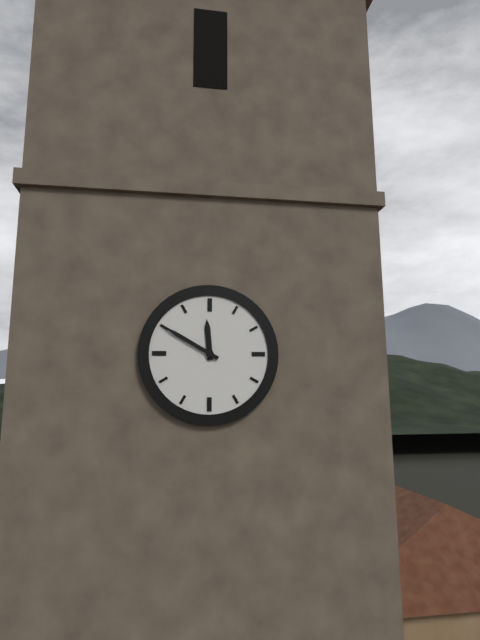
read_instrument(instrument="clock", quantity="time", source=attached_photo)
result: 11:50
